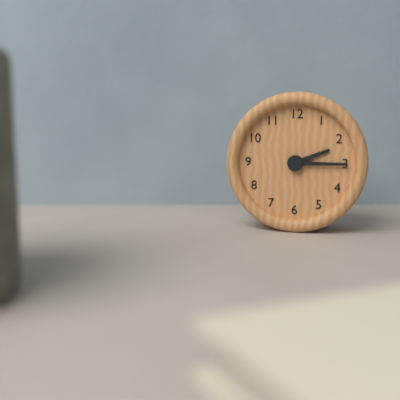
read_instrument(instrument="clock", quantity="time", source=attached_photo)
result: 2:15
